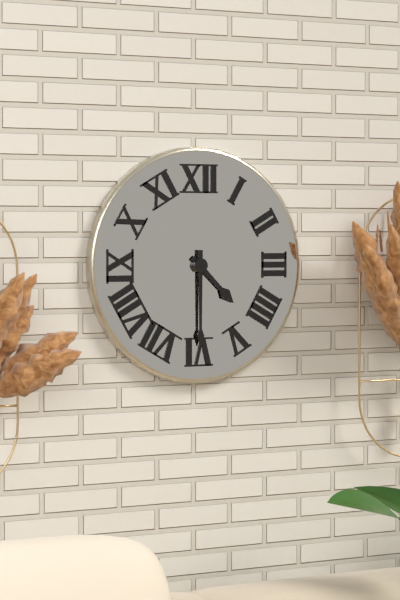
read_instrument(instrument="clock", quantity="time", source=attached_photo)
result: 4:30
